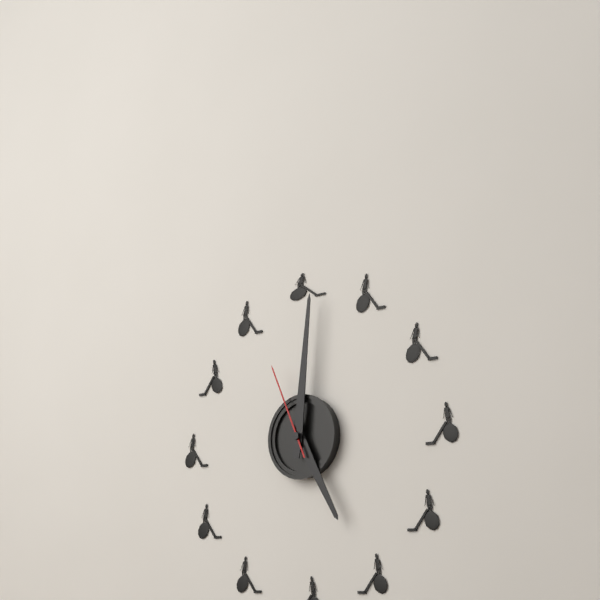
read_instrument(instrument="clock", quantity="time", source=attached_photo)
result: 5:01:56
